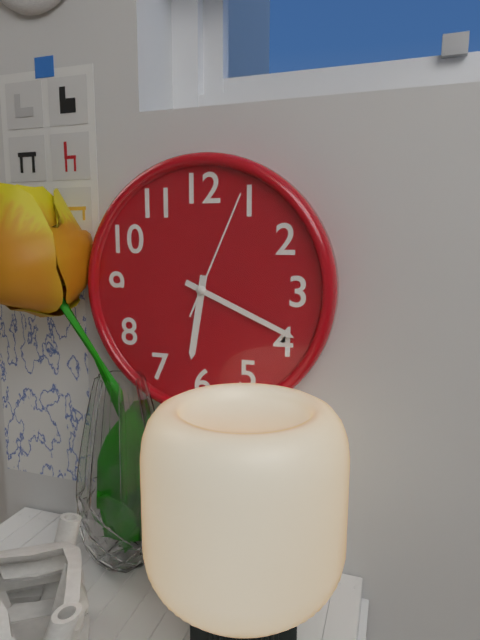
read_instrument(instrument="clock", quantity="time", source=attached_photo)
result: 6:19:04
